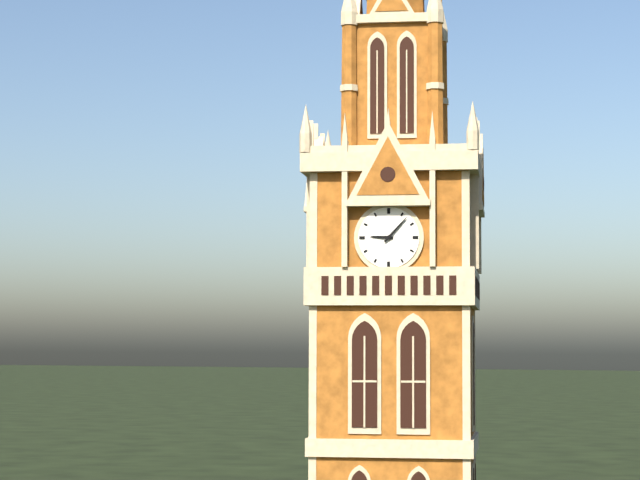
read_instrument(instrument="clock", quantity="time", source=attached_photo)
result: 9:07
